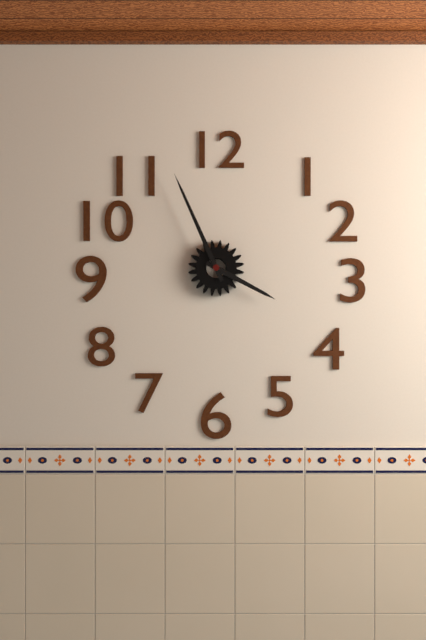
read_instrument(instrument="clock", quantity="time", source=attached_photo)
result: 3:56
